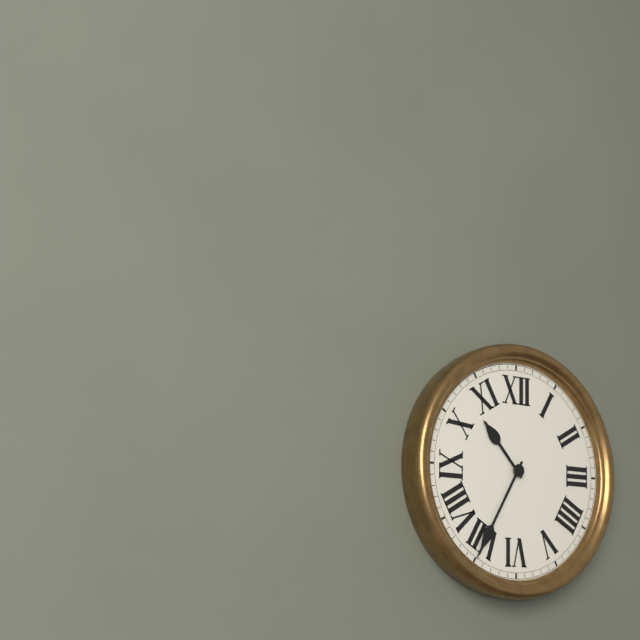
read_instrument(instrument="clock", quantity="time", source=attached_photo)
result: 10:35
